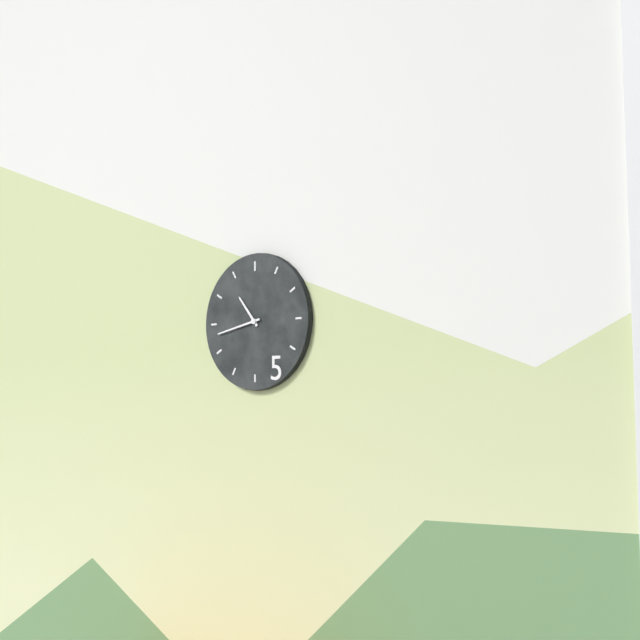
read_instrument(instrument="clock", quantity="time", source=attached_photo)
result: 10:43
